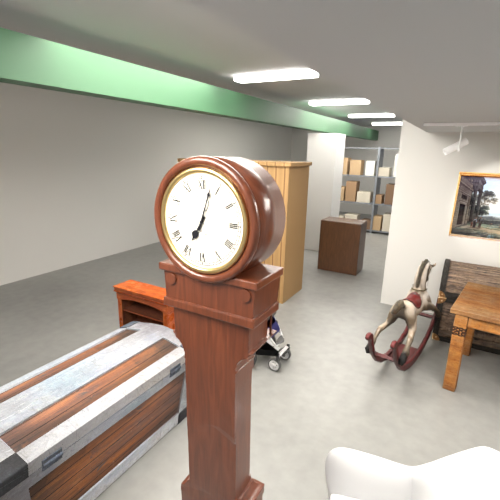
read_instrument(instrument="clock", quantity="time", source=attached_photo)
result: 7:03
